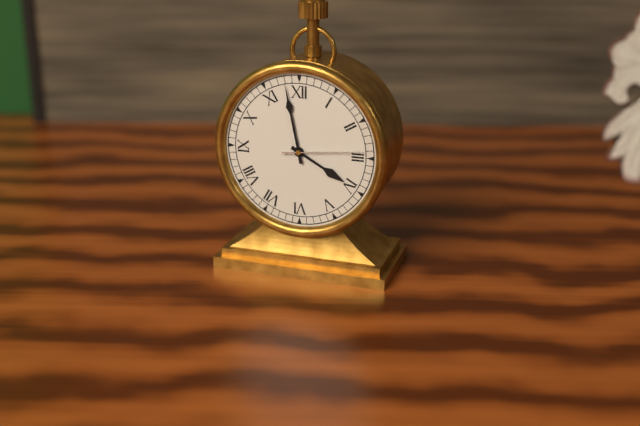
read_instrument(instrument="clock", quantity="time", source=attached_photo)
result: 3:58:14
